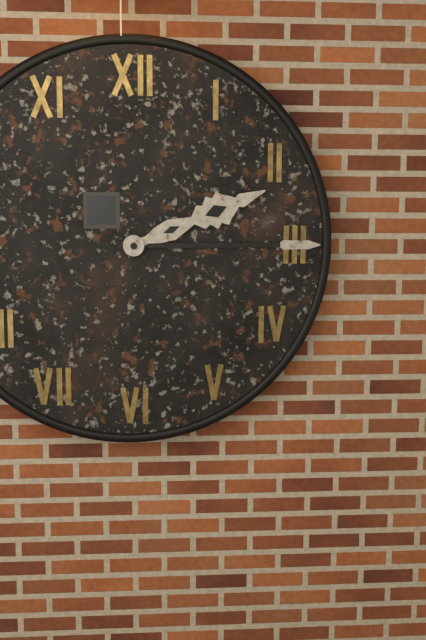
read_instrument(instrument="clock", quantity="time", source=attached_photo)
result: 2:15
